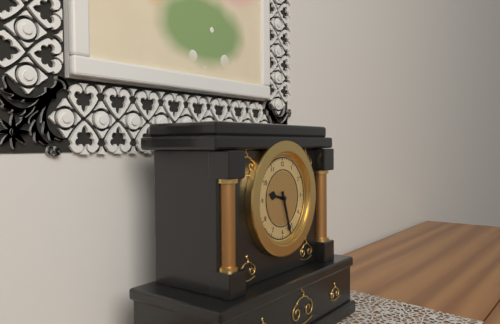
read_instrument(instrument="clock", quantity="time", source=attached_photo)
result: 9:27
